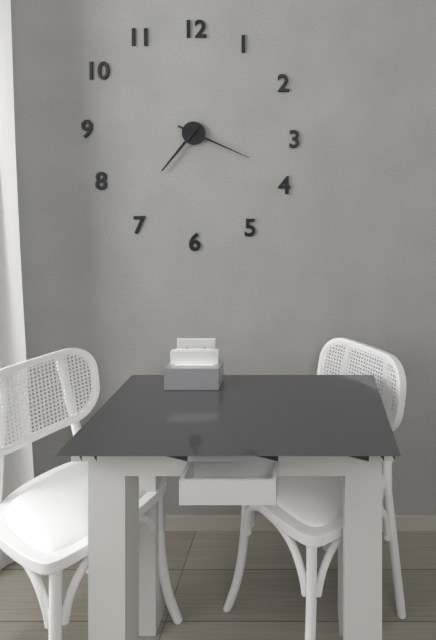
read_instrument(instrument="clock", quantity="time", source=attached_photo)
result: 7:19
